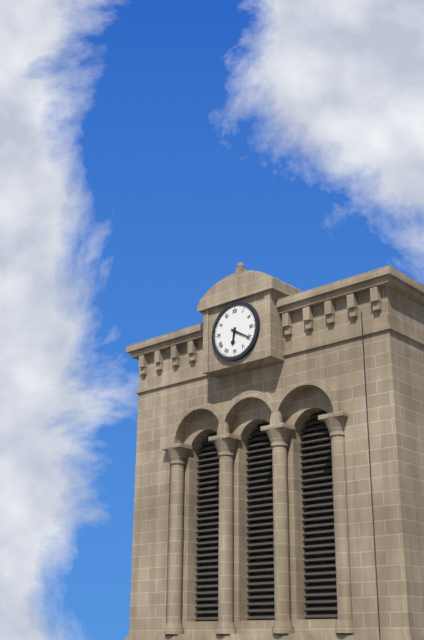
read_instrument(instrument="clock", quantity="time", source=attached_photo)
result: 6:20
